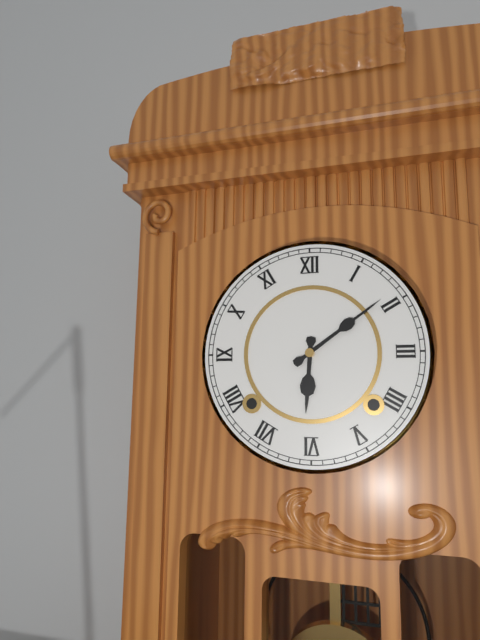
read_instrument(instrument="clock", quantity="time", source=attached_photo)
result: 6:09
